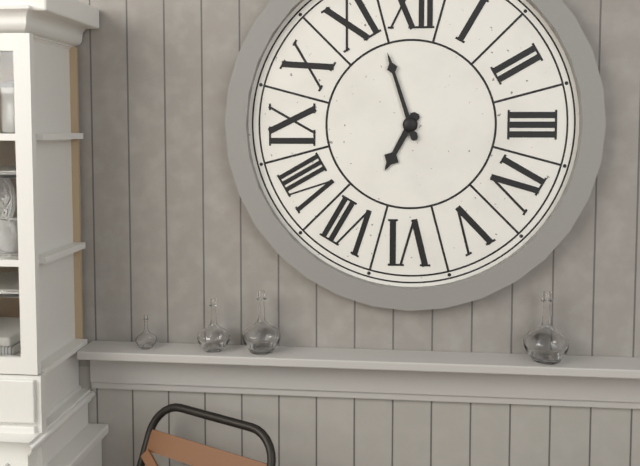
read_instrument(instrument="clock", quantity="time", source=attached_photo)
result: 6:57
